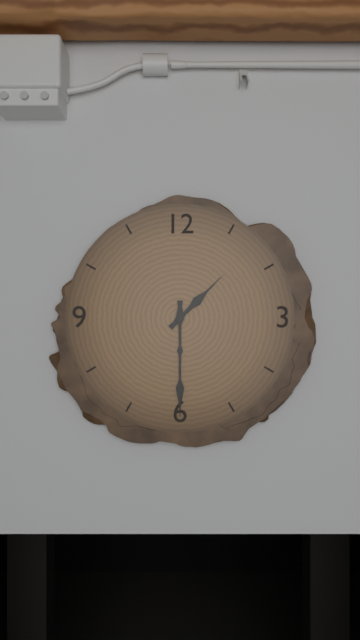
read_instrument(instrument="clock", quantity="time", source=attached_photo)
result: 1:30
